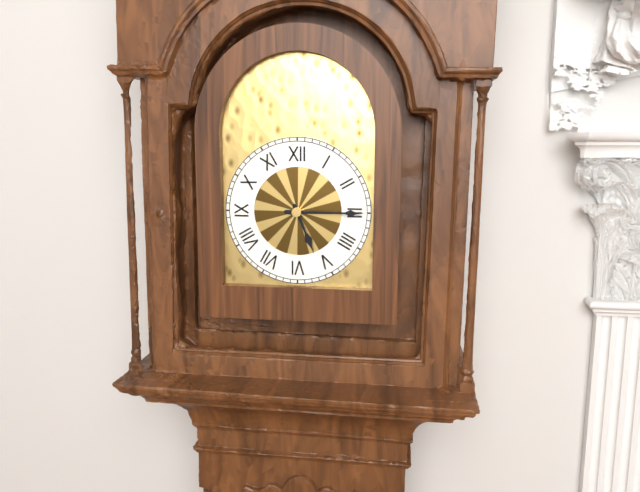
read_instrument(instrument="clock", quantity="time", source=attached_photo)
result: 5:15
